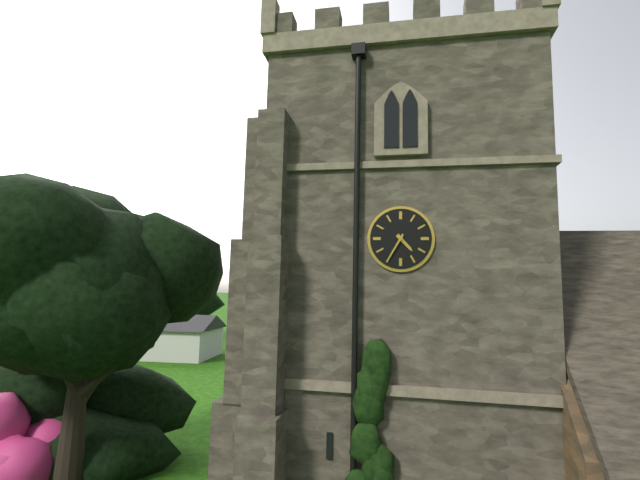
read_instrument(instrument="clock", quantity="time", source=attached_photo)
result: 4:35
